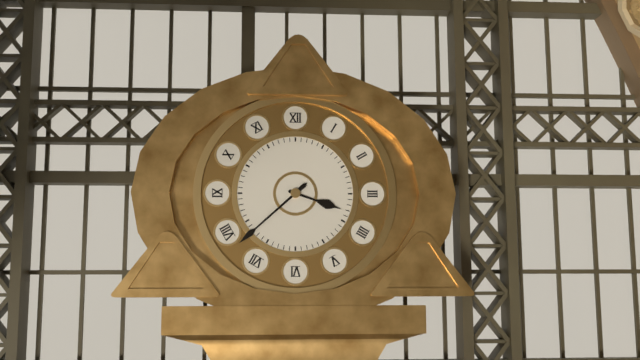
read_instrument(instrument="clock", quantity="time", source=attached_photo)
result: 3:38
